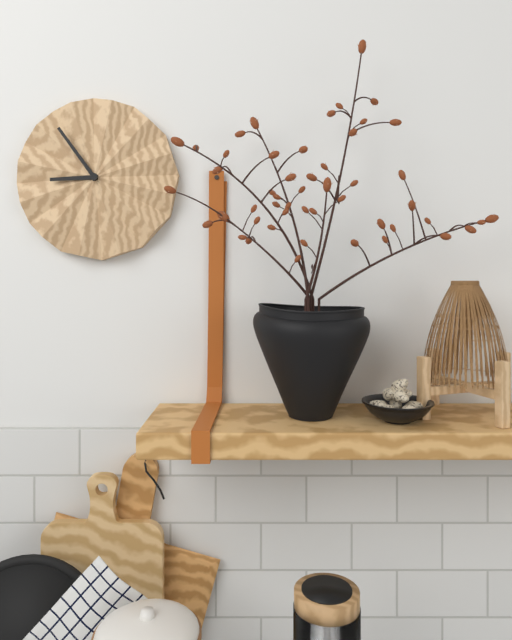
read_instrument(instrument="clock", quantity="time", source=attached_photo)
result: 8:54
